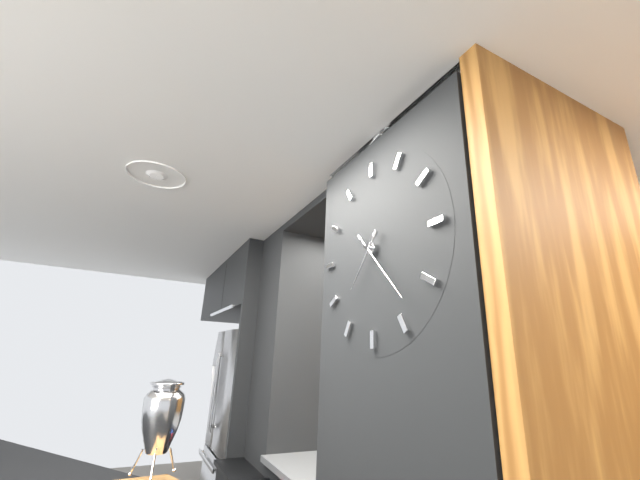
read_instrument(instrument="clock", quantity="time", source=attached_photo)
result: 7:23
